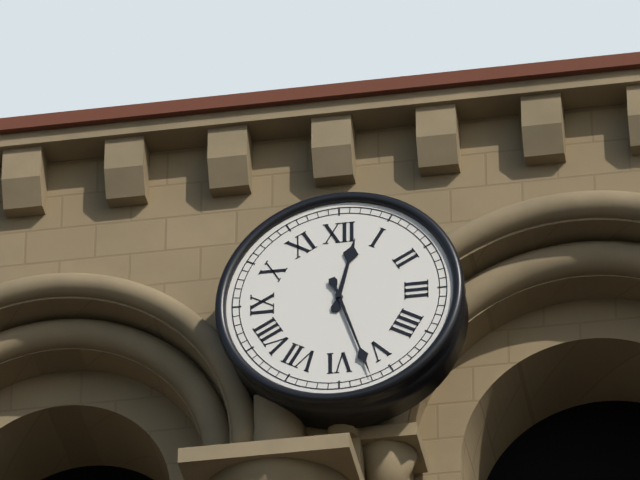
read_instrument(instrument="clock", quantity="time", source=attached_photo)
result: 12:27
